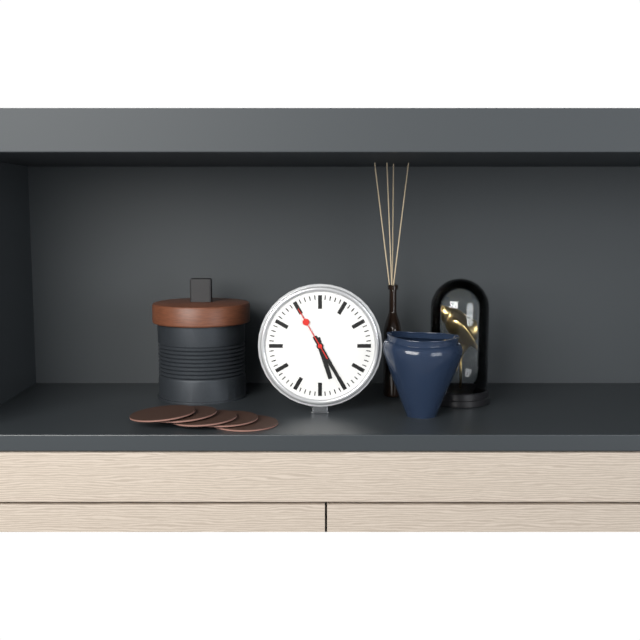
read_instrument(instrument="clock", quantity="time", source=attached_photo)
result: 5:25:55
